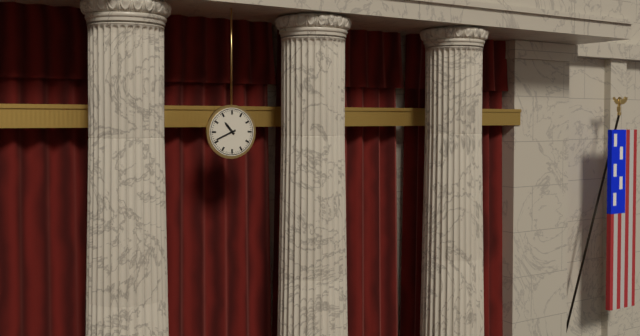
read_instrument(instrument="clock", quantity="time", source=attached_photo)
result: 10:41
